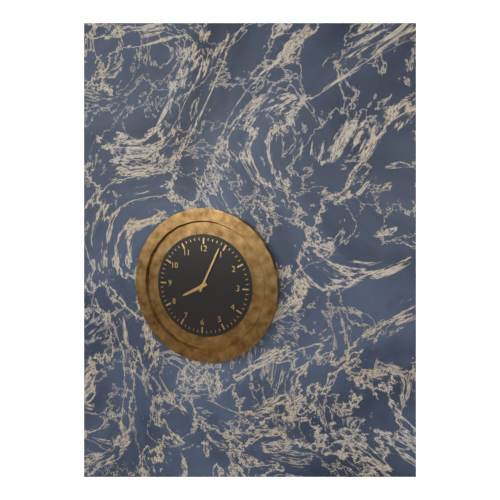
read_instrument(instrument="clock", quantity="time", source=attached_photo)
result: 8:04
